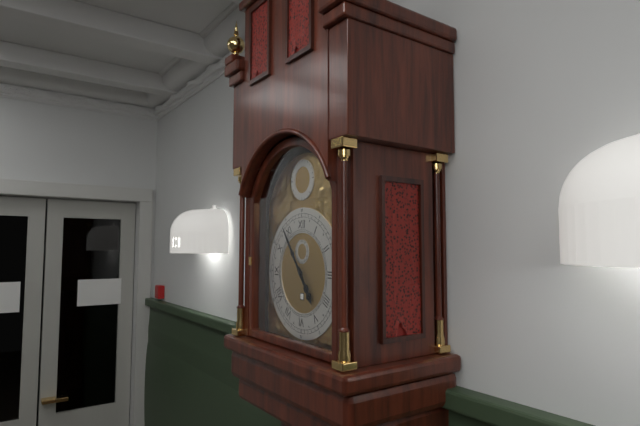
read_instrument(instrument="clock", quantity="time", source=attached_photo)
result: 4:54
